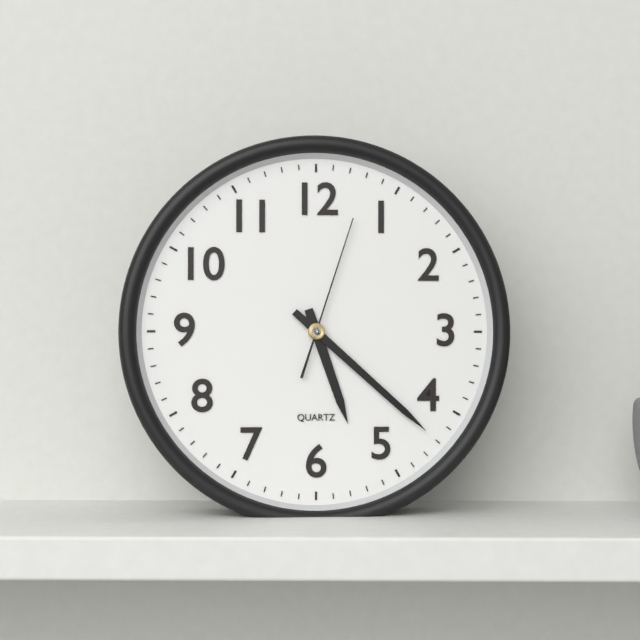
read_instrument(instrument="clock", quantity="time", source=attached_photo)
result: 5:22:03
